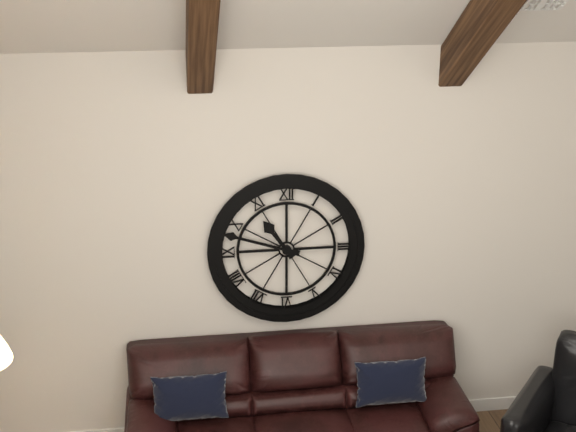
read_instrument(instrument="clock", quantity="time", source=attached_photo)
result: 10:48
